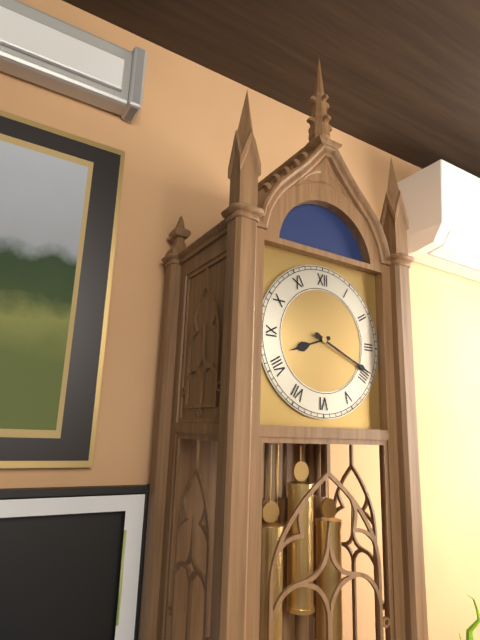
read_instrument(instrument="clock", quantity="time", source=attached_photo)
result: 8:19
